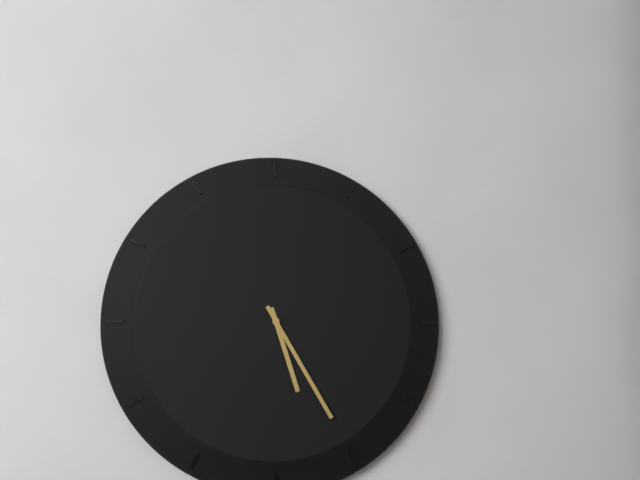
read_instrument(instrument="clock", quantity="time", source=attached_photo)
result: 5:25
